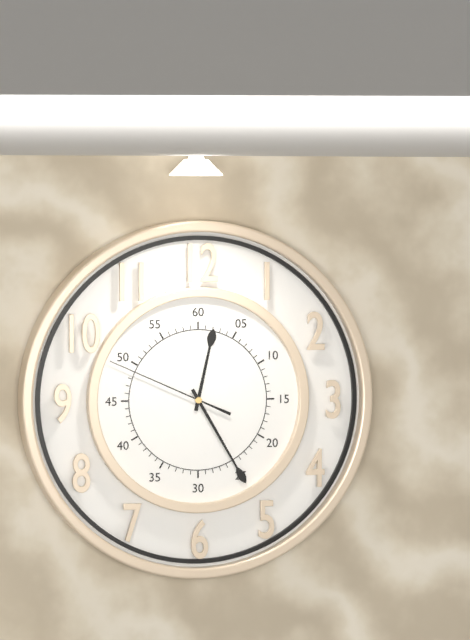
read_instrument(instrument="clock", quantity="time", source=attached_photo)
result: 12:25:49
